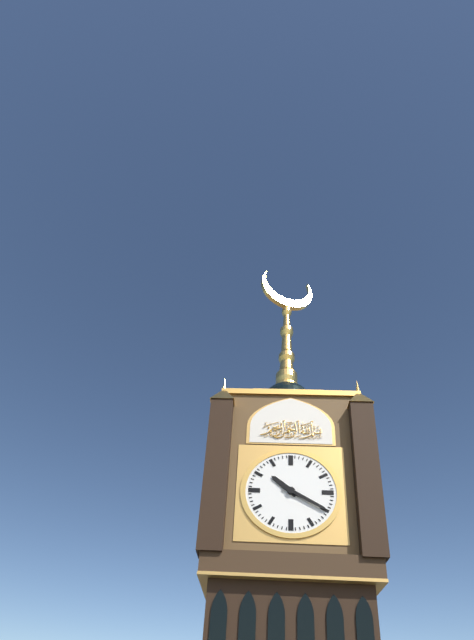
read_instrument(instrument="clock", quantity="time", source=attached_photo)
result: 10:20
